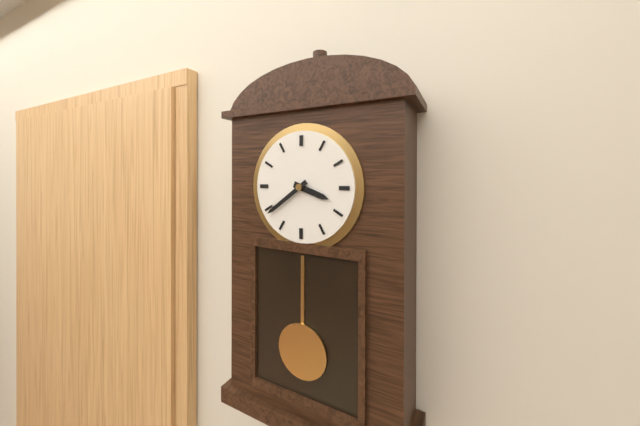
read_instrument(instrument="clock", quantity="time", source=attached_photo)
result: 3:39
